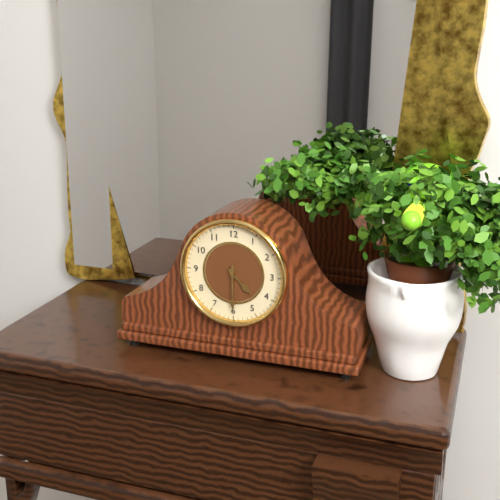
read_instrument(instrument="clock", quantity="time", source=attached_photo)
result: 4:30
